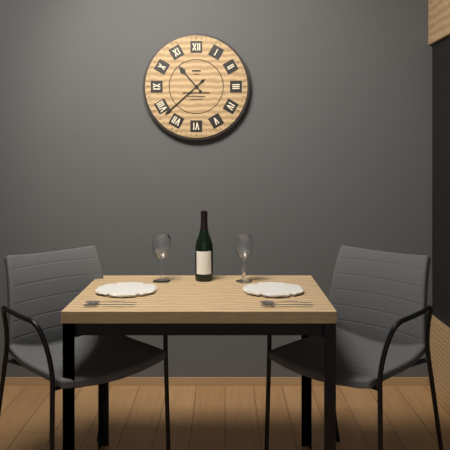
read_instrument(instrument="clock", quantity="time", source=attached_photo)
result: 10:38
